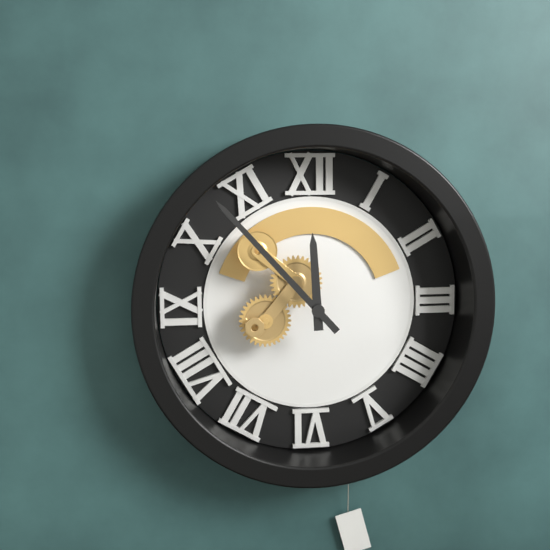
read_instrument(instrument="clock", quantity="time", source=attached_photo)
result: 11:53
